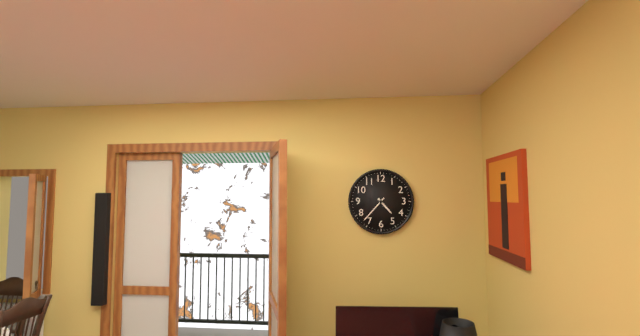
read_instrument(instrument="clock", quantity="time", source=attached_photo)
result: 4:37
